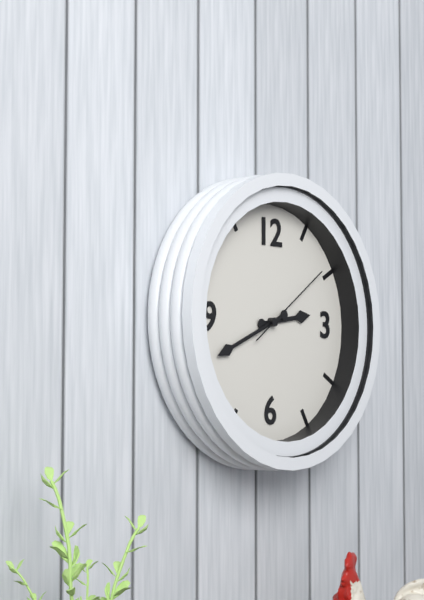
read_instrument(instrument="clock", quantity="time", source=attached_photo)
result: 2:41:09
